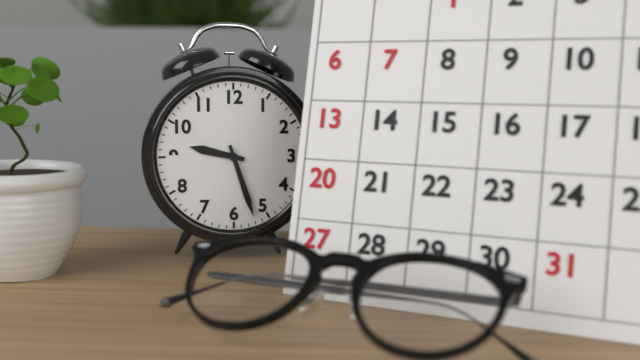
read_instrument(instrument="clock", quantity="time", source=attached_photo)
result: 9:27
